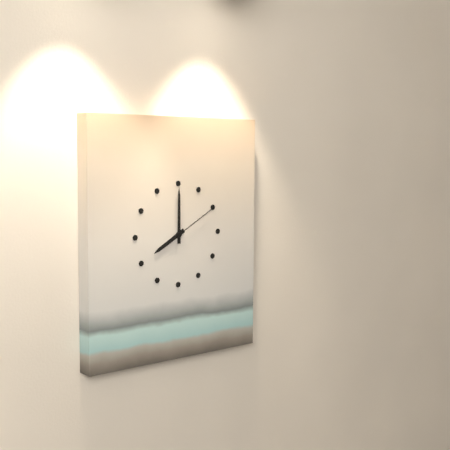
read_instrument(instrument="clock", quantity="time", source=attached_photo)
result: 8:00:10
